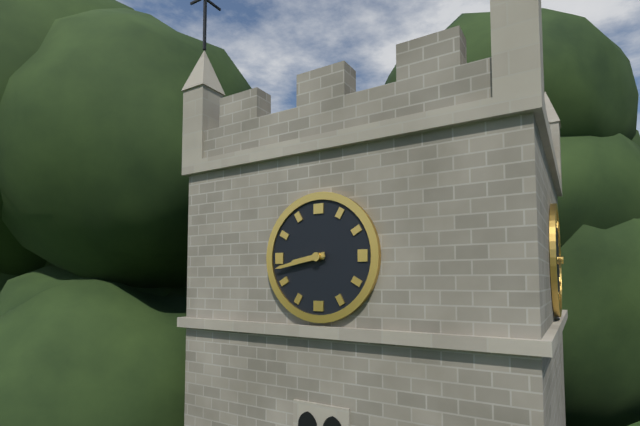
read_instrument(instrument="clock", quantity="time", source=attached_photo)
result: 8:43
